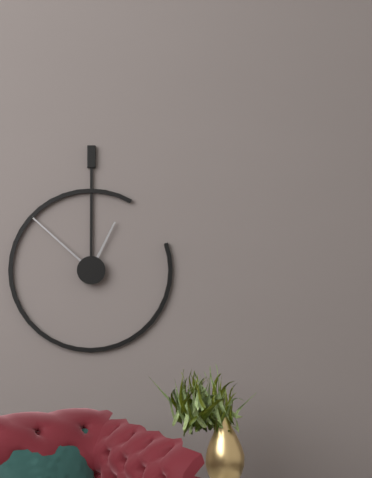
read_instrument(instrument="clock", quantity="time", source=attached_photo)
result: 12:52
